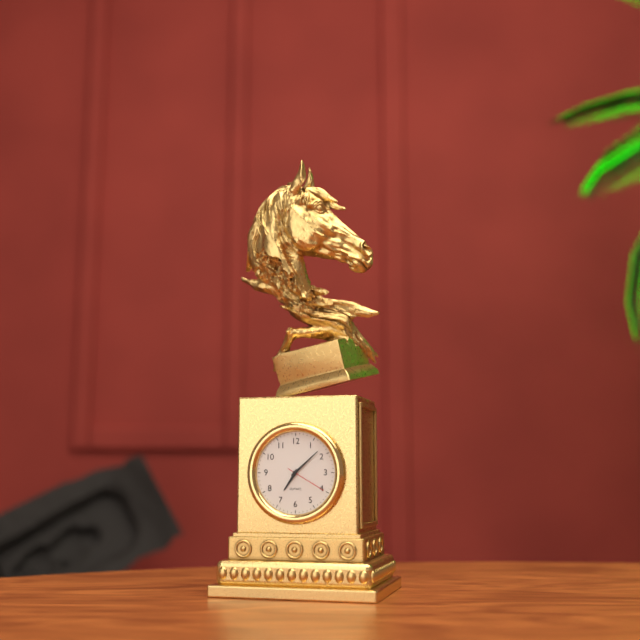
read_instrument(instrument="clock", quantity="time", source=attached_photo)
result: 7:08
